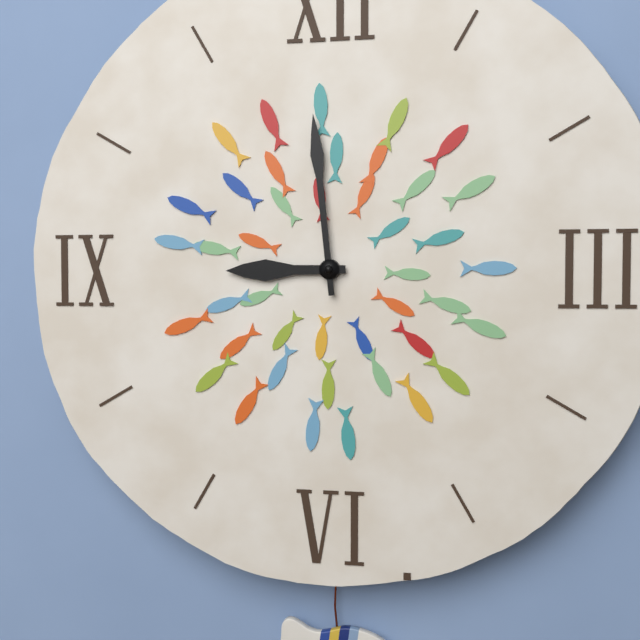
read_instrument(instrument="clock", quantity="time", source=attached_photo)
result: 8:59
